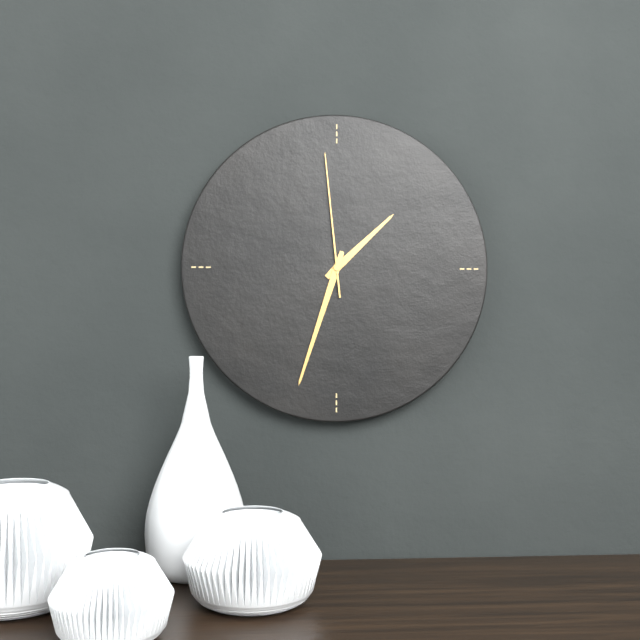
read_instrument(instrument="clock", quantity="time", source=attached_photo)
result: 1:33:59
